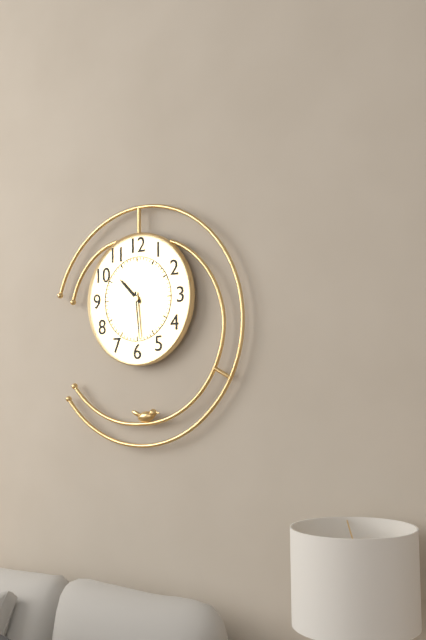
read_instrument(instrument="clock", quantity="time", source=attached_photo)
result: 10:29
